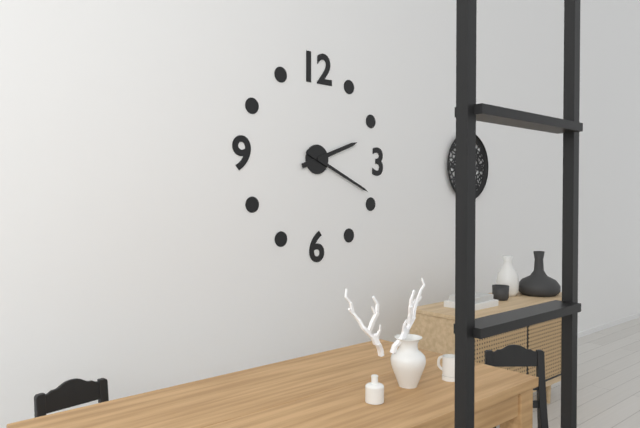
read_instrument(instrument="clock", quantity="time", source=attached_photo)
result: 2:19
